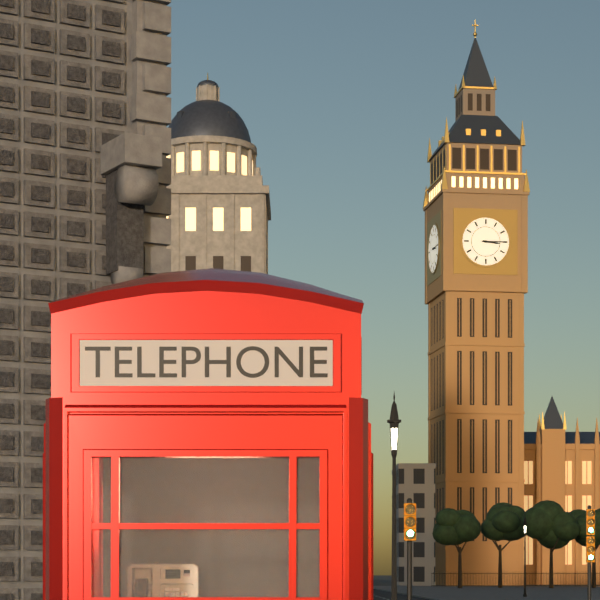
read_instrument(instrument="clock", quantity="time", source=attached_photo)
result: 3:15
